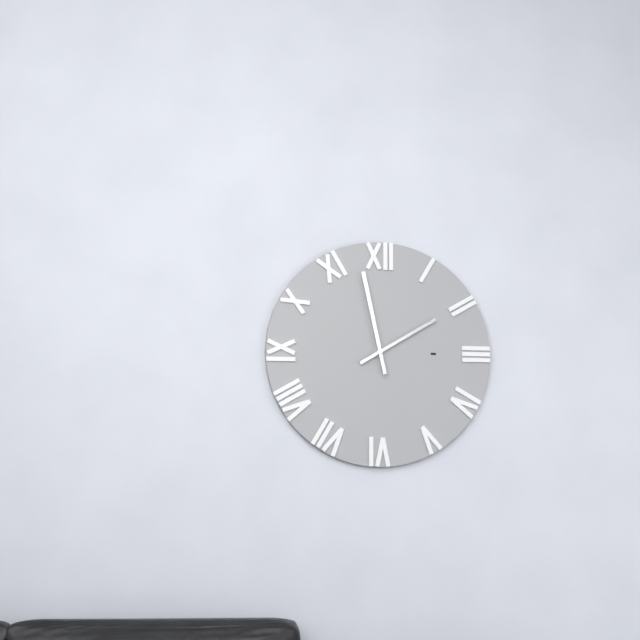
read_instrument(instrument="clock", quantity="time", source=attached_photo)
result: 1:58
